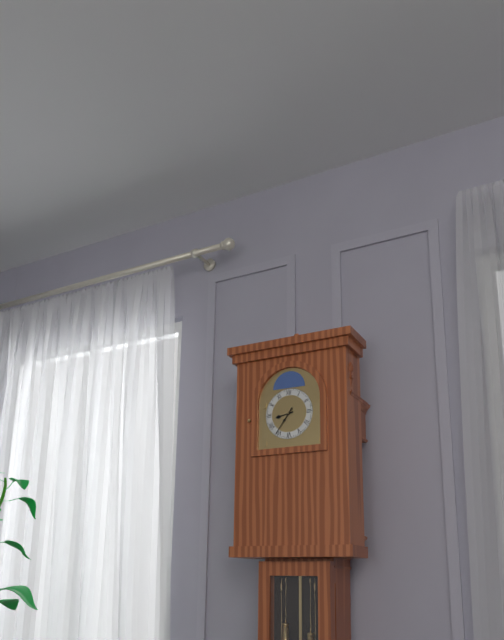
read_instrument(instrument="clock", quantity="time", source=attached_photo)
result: 8:36
